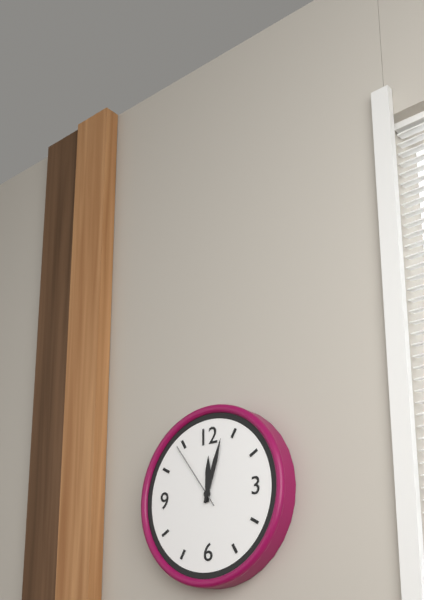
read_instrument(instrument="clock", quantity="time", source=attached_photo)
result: 12:03:54
